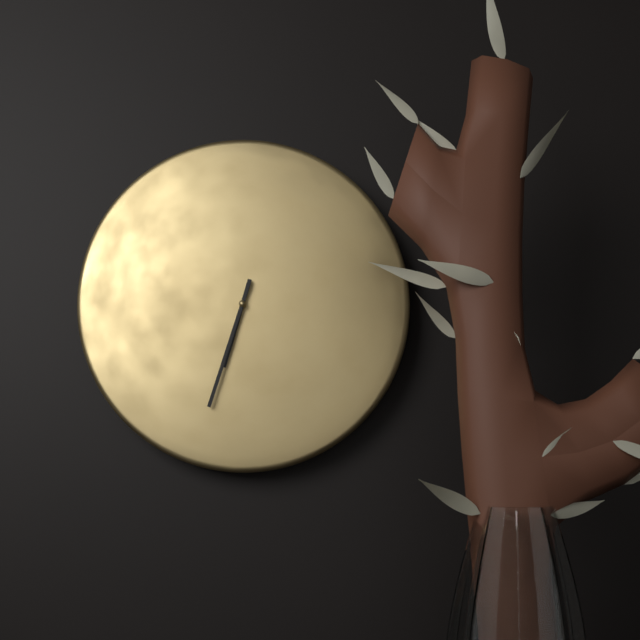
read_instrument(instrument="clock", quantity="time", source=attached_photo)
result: 6:33
